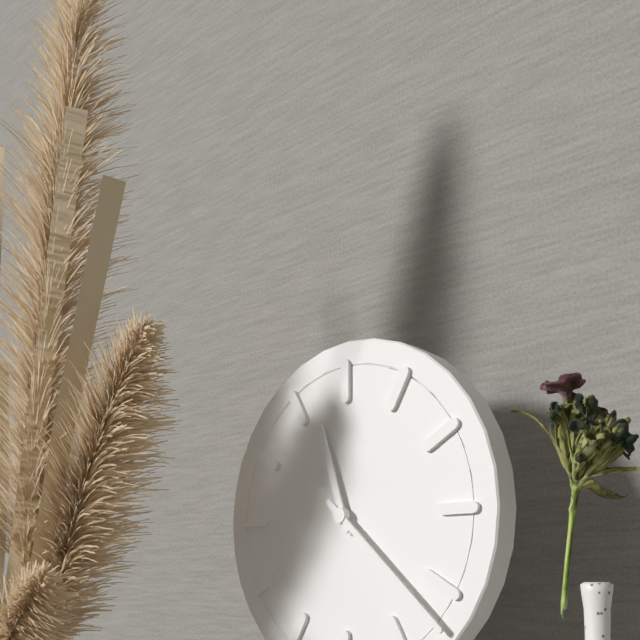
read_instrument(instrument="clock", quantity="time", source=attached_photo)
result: 11:22
